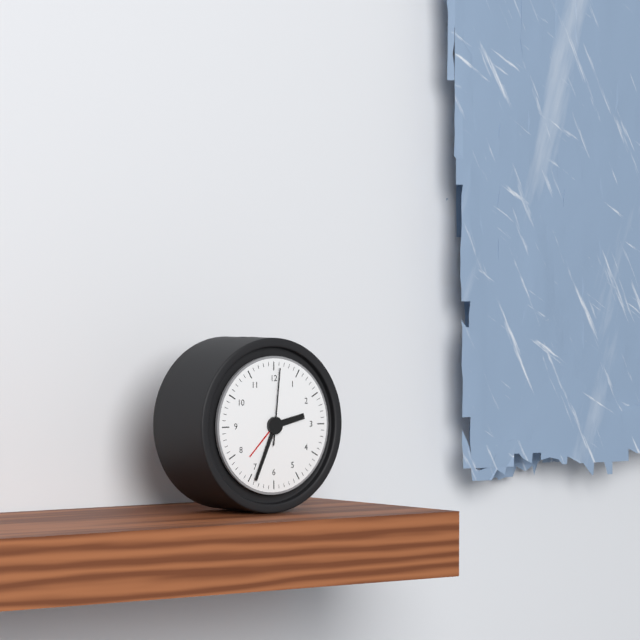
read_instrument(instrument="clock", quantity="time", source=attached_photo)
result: 2:34:01
